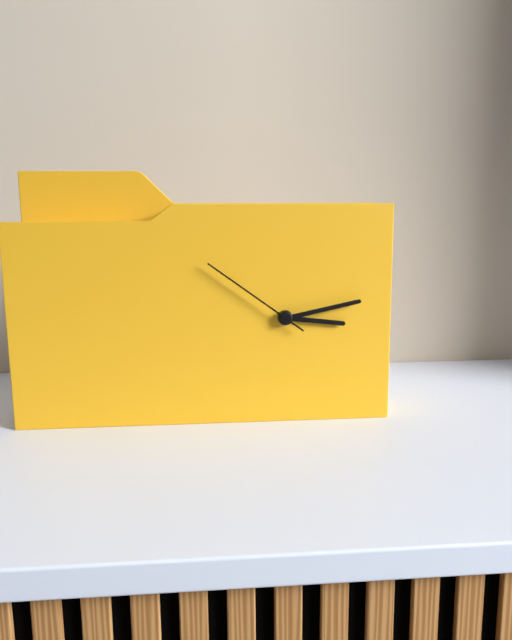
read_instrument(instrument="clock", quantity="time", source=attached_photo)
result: 3:13:51
